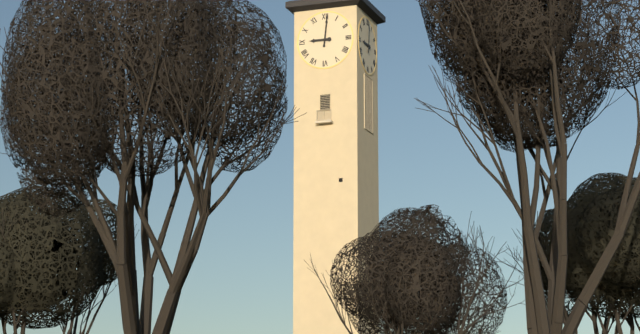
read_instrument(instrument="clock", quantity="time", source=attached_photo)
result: 9:01
